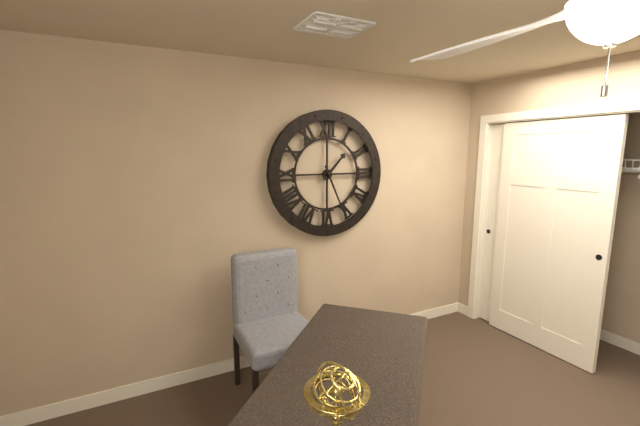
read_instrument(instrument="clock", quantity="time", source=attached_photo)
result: 1:26
